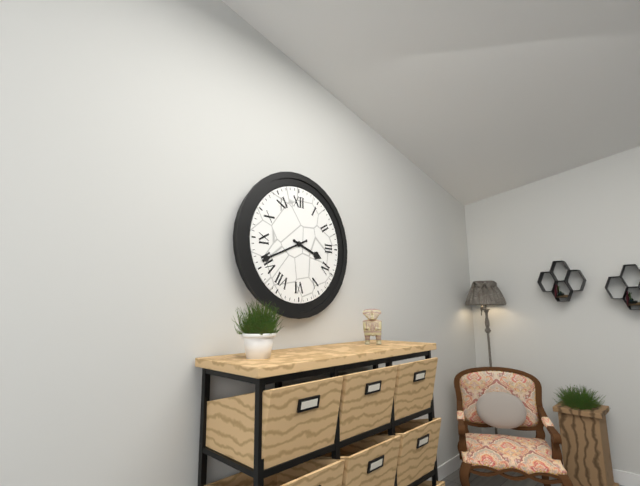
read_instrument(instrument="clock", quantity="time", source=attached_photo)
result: 3:41
